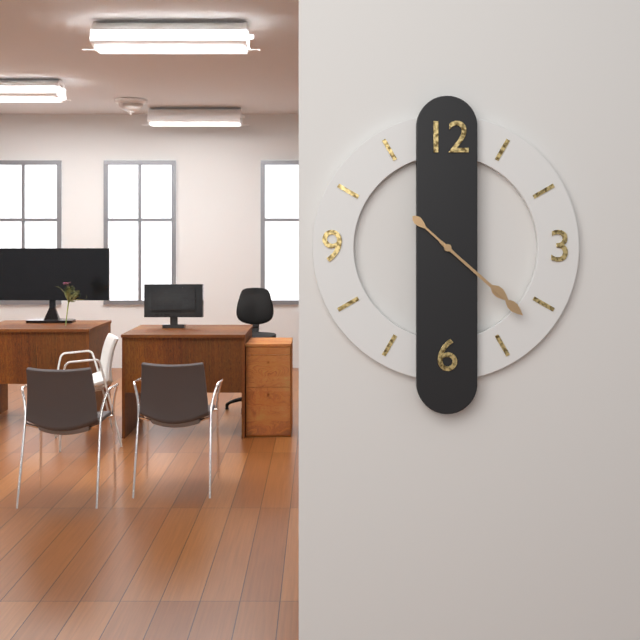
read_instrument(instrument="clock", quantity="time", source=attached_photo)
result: 4:22
